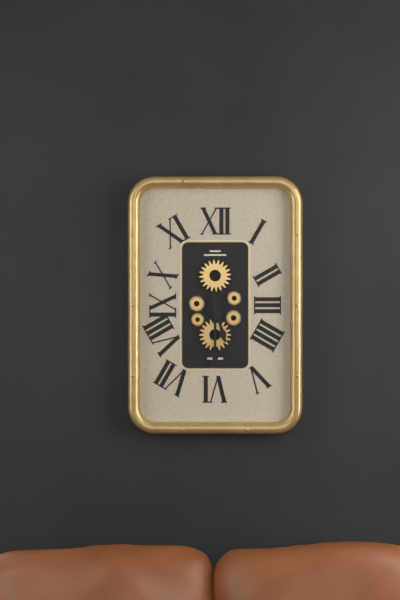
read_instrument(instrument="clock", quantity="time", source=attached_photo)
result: 5:30
